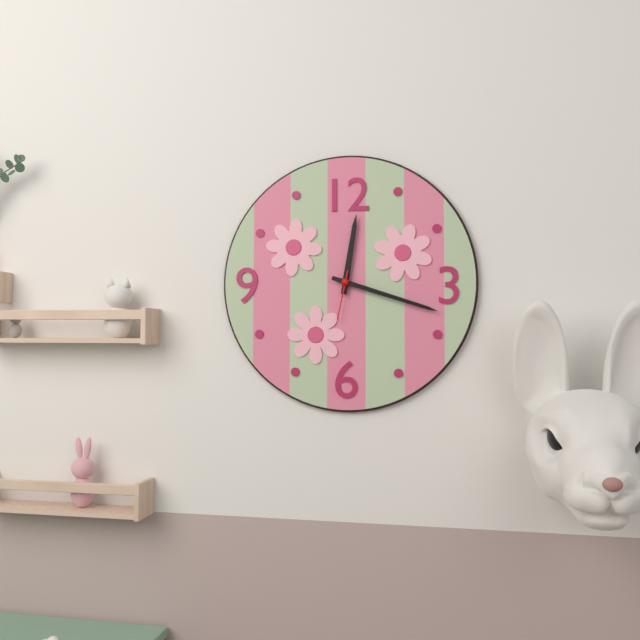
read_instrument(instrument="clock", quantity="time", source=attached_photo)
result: 12:18
